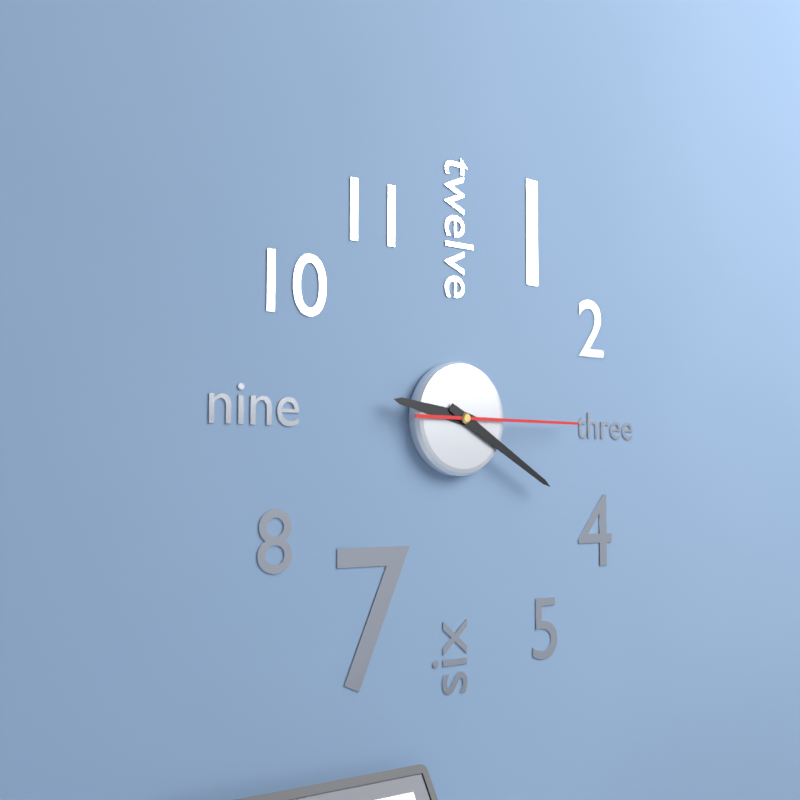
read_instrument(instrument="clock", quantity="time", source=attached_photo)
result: 9:20:15
